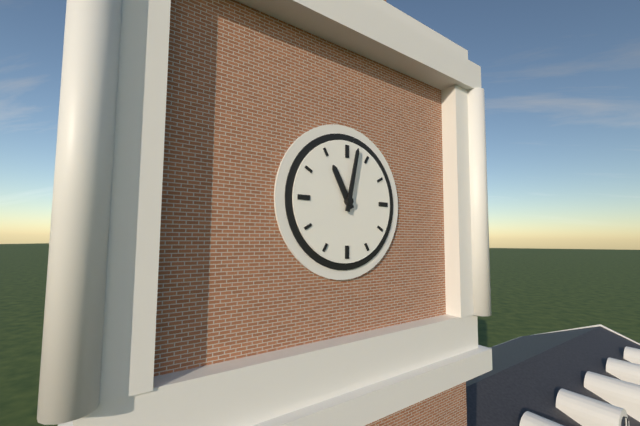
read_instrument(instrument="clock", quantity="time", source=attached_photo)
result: 11:02
